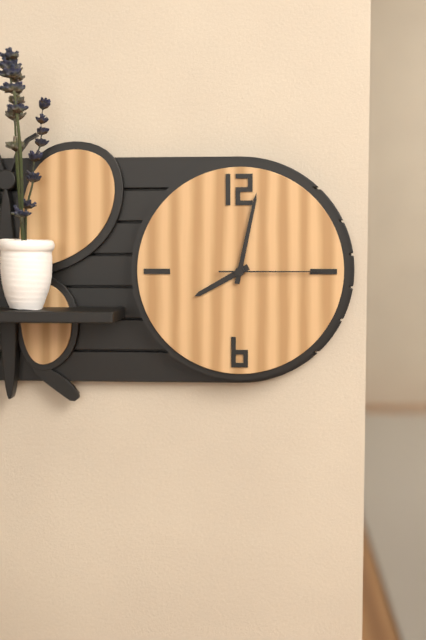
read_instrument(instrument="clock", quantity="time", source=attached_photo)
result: 8:02:15
